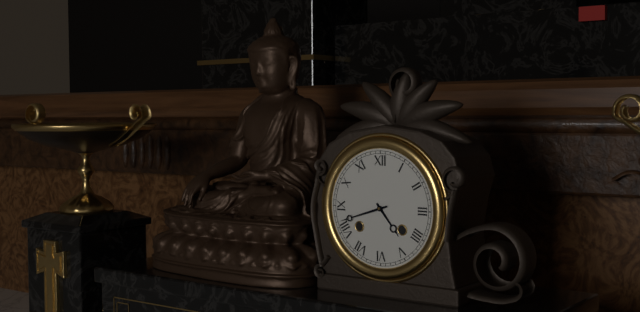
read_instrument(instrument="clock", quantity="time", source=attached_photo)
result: 4:42
